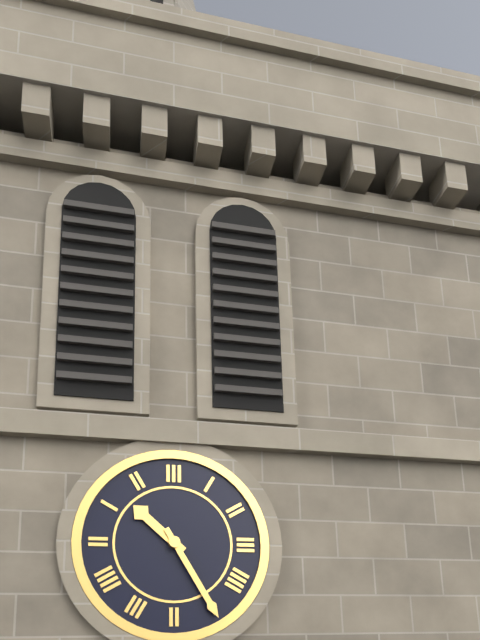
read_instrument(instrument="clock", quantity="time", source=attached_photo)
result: 10:25
